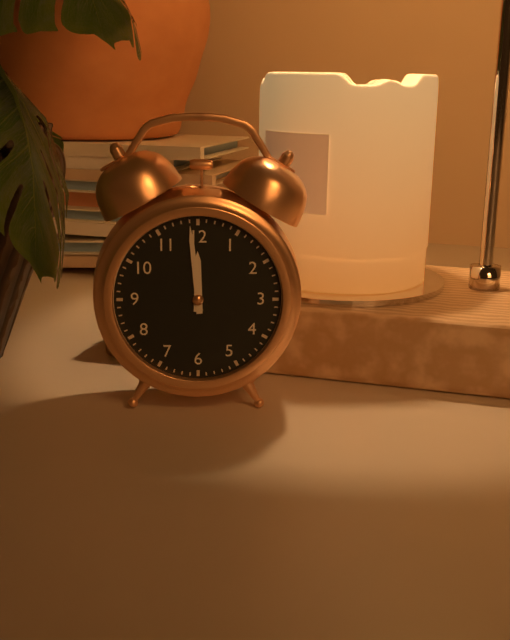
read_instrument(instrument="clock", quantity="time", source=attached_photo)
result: 11:59
